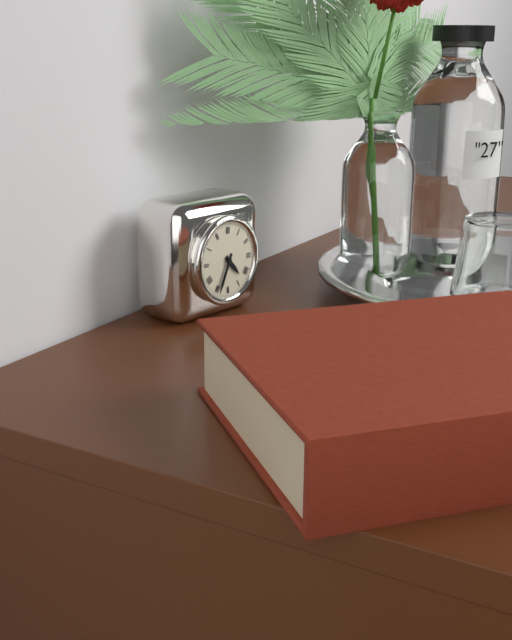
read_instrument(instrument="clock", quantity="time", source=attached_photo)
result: 4:34
